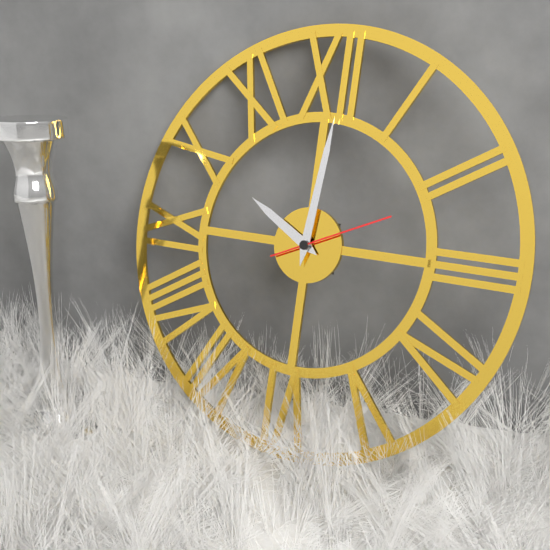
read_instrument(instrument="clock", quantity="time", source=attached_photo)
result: 10:01:11
